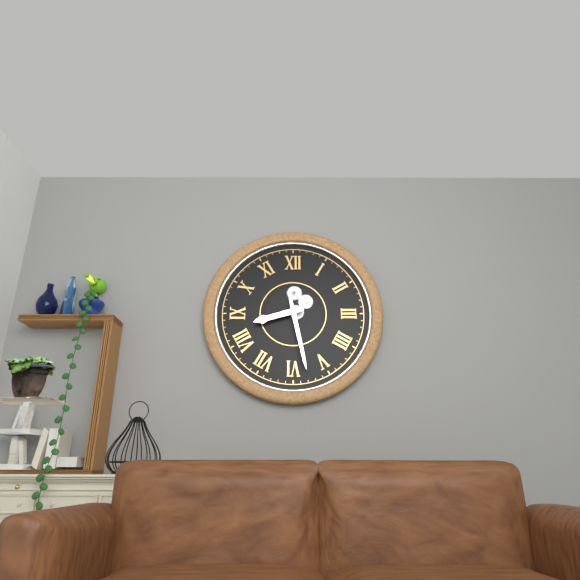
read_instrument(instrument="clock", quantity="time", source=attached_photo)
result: 8:28
